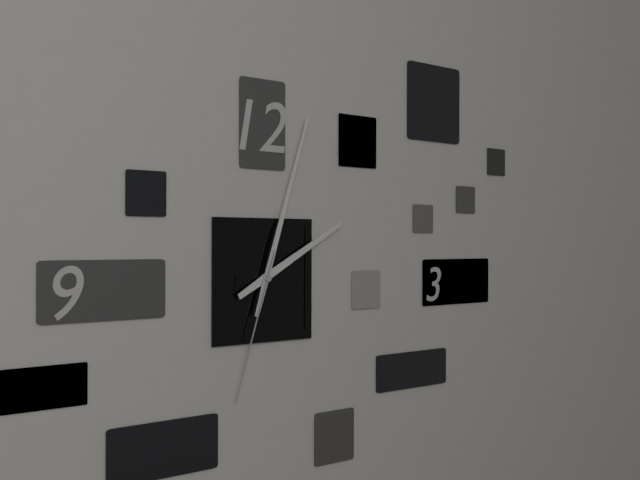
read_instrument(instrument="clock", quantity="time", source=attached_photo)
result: 2:03:33
